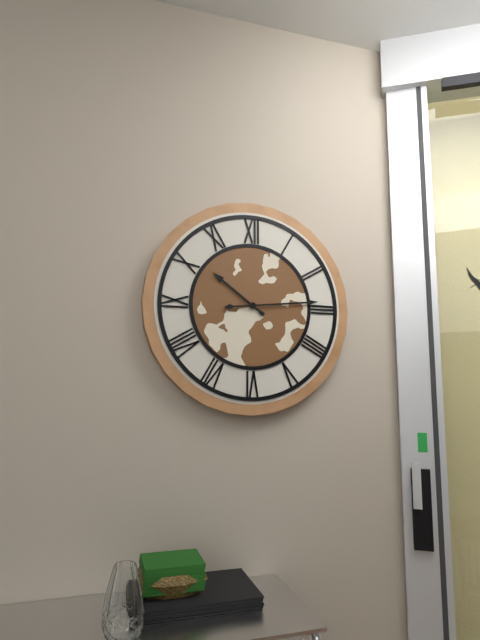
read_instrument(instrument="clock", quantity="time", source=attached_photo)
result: 10:14
